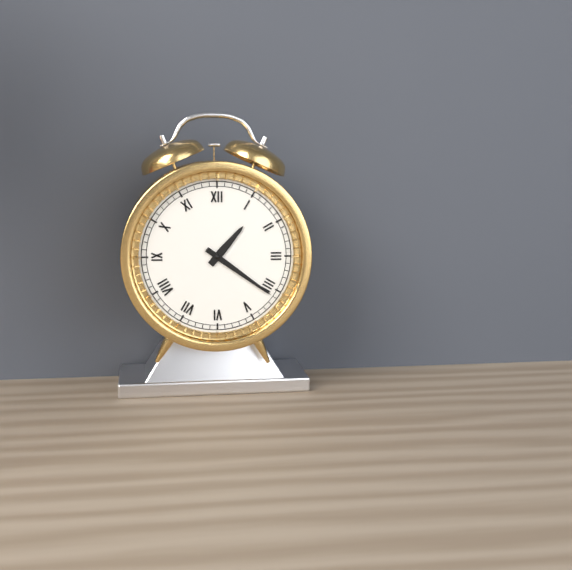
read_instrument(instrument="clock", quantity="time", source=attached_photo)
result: 1:21
